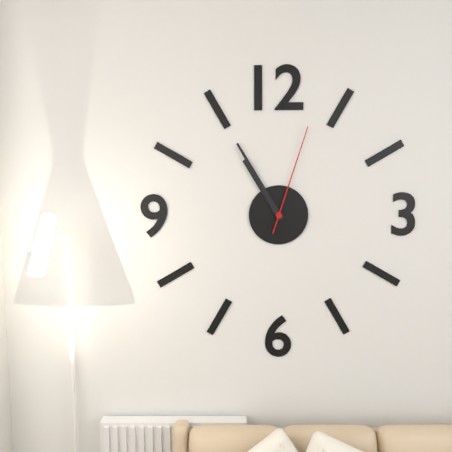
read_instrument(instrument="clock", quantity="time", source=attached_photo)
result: 10:55:03
